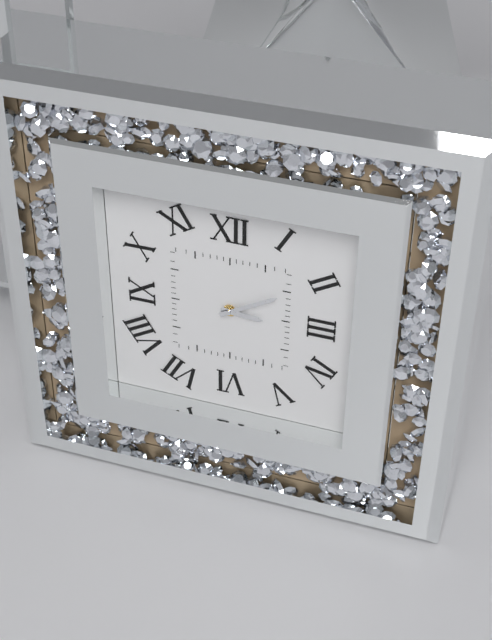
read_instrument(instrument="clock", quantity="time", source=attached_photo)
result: 3:10
